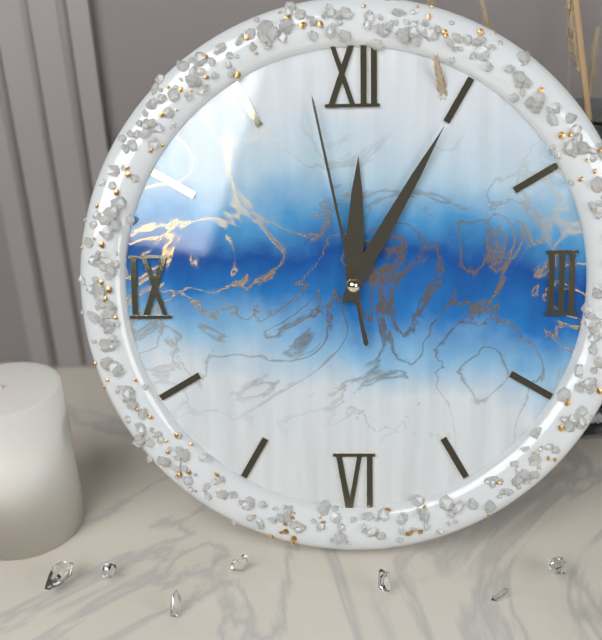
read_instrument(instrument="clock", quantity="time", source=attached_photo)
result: 12:05:58
